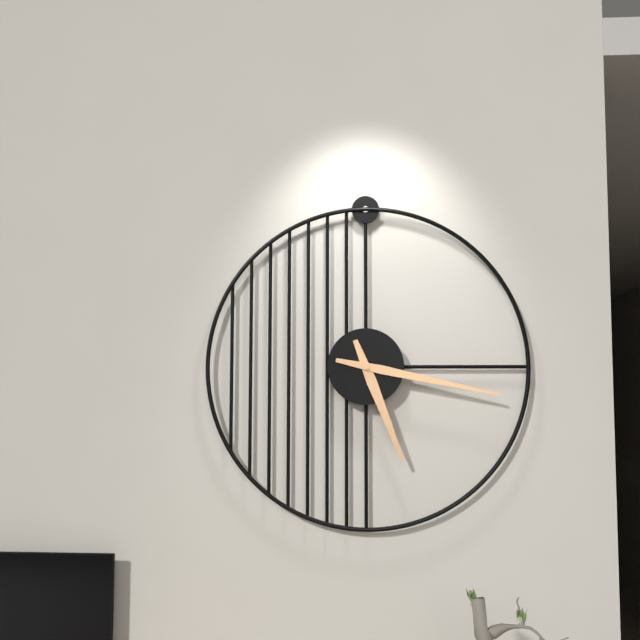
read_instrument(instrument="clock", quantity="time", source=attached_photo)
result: 5:17
